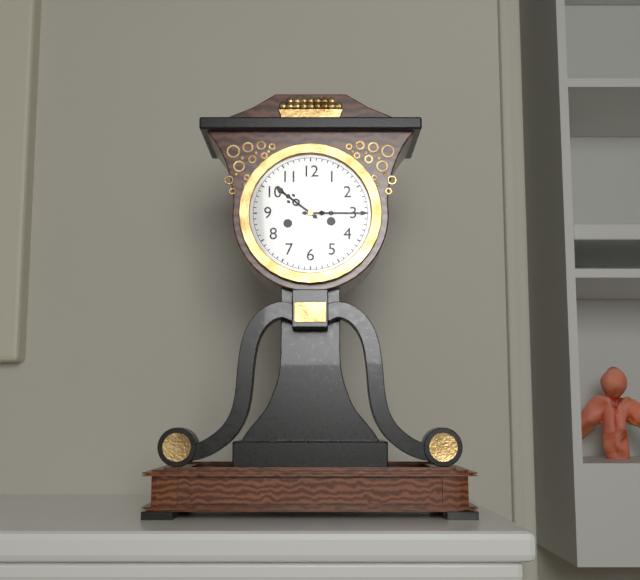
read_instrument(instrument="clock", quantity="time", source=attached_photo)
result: 10:15
